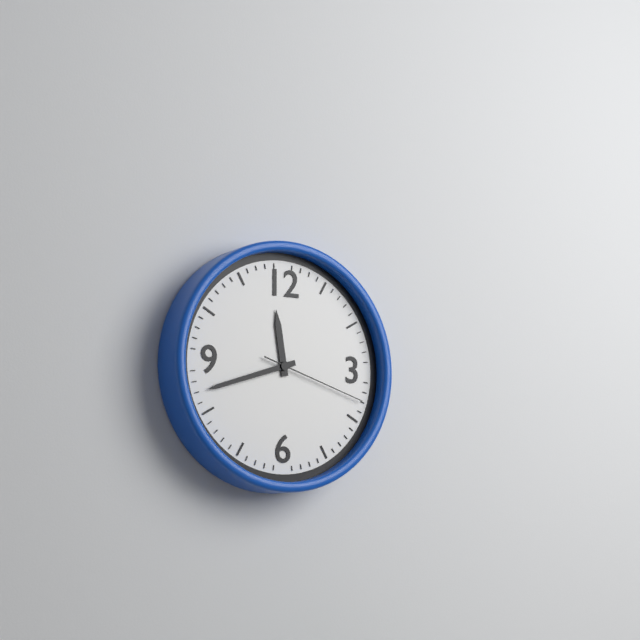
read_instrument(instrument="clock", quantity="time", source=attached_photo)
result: 11:42:18
